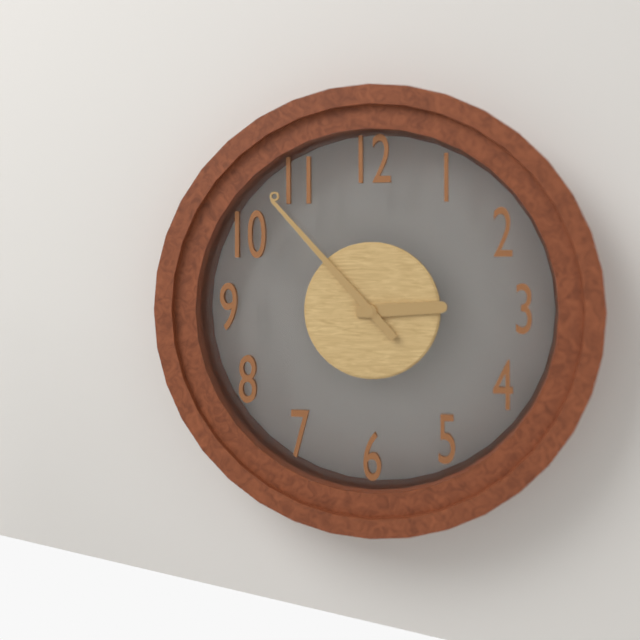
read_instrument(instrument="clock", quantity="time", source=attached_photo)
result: 2:53
